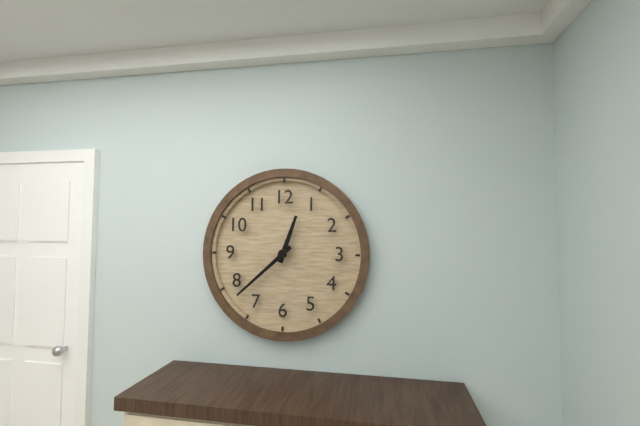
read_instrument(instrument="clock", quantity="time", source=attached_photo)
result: 12:38
